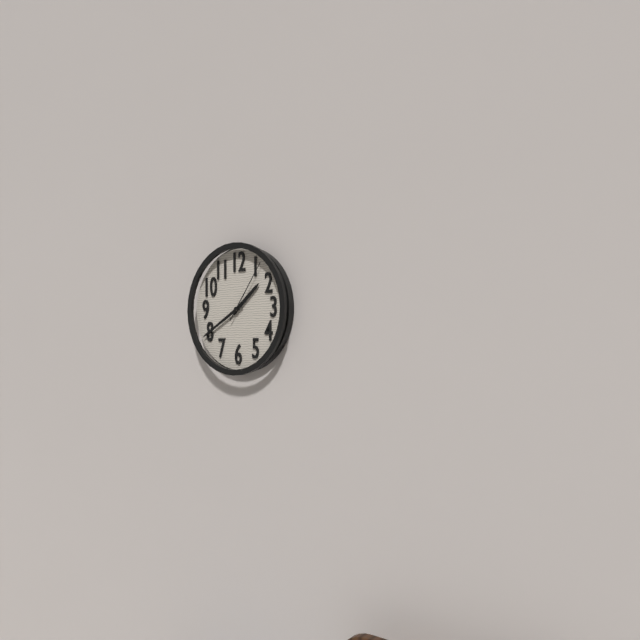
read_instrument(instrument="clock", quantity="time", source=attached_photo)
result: 1:40:06
